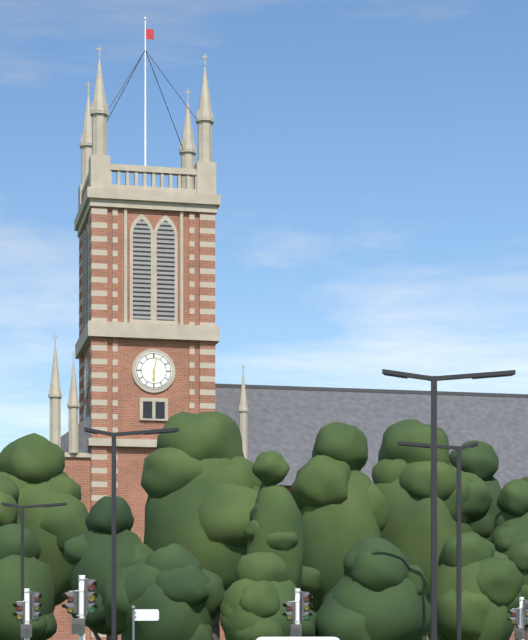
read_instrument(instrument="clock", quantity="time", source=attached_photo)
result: 6:02
